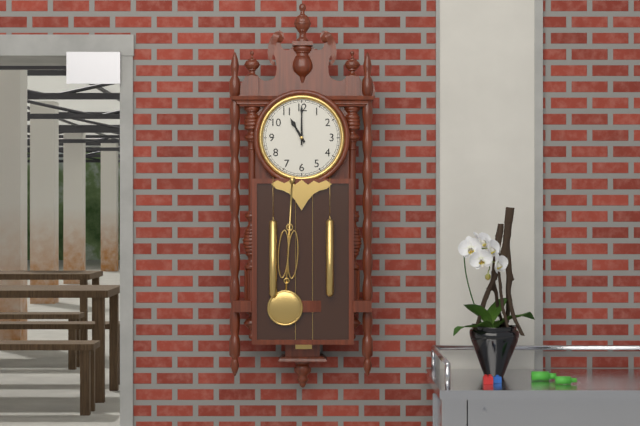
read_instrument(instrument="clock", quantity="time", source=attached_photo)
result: 11:00
